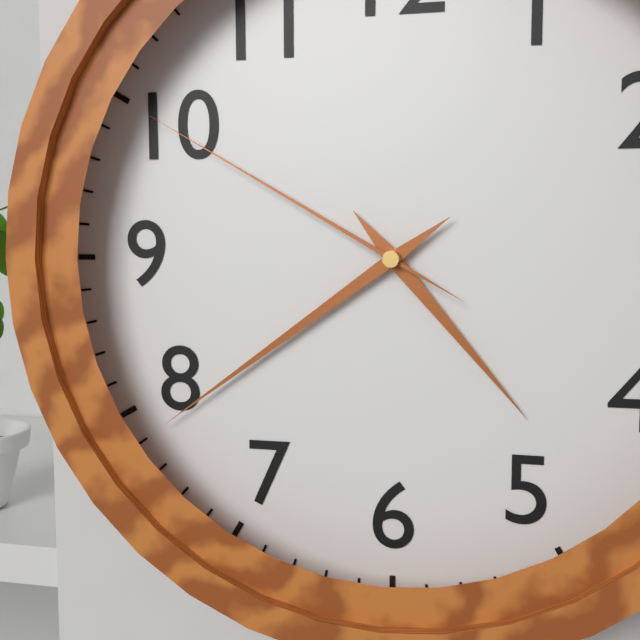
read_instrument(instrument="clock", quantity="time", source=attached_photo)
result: 4:39:50
